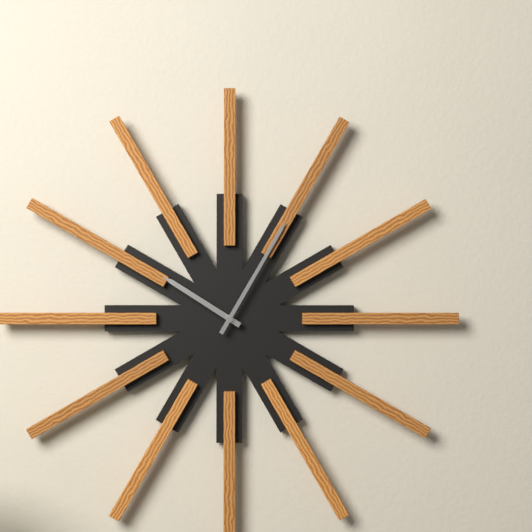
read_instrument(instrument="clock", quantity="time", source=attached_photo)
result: 10:05
